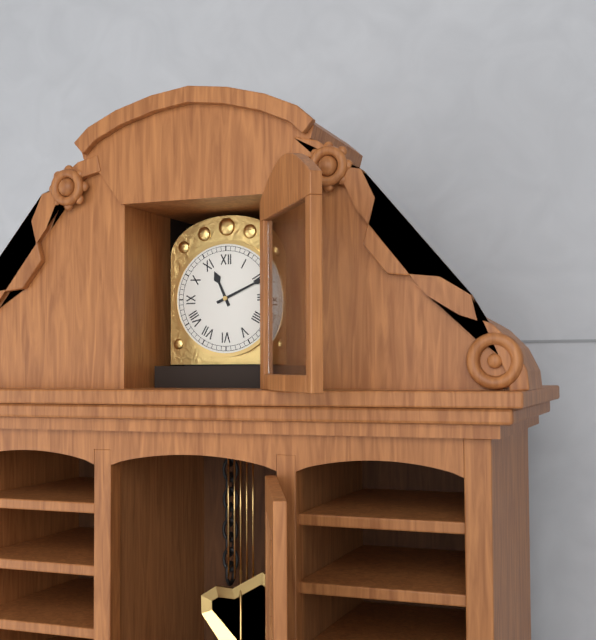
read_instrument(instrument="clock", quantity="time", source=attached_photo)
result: 11:11
